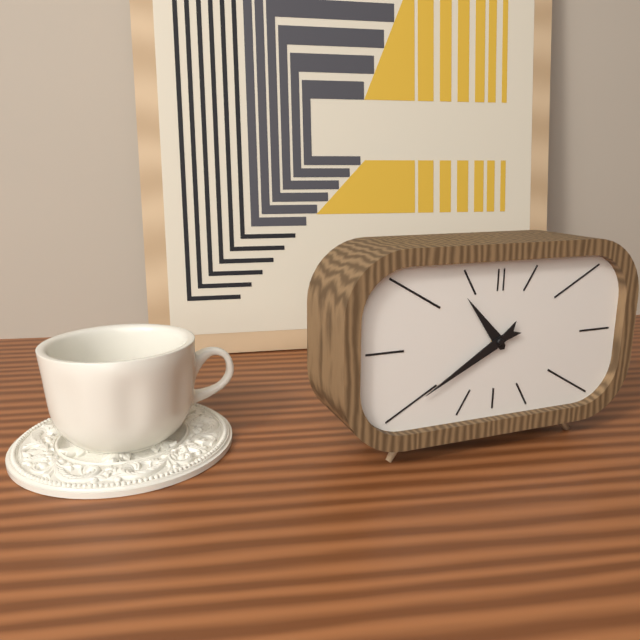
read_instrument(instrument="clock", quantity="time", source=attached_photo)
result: 10:40
